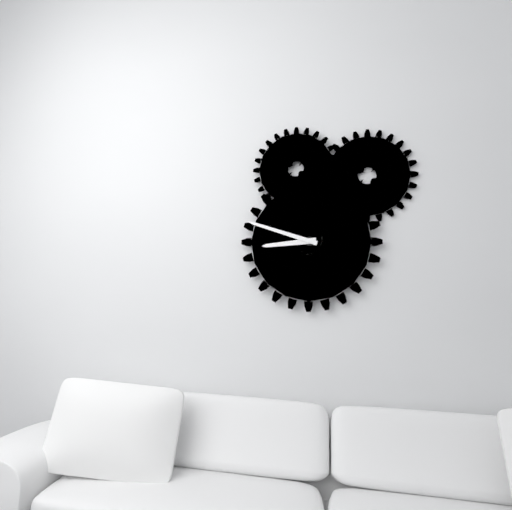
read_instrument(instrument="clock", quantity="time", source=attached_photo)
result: 8:48
